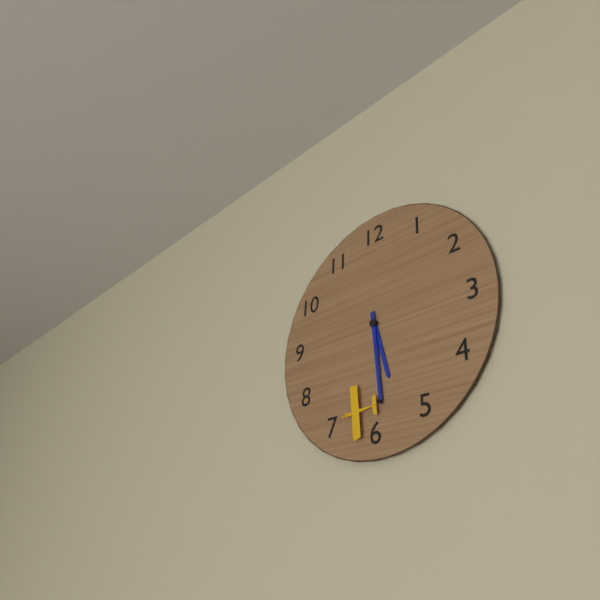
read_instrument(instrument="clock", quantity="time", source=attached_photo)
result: 5:29
